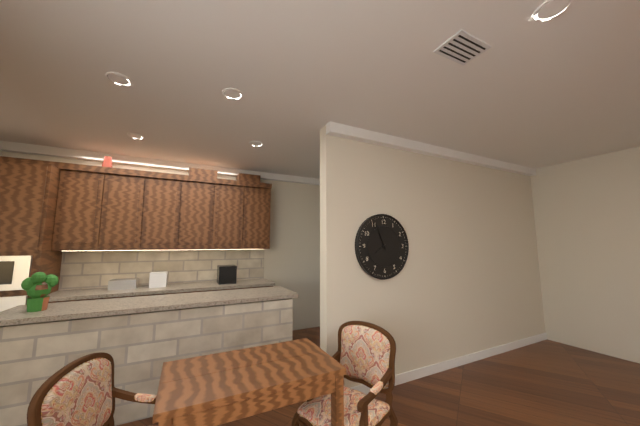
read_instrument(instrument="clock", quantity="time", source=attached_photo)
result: 7:56
